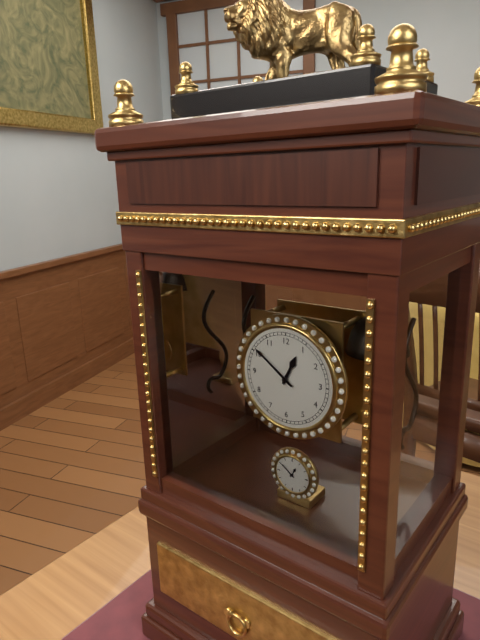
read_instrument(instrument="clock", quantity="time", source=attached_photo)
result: 12:51
